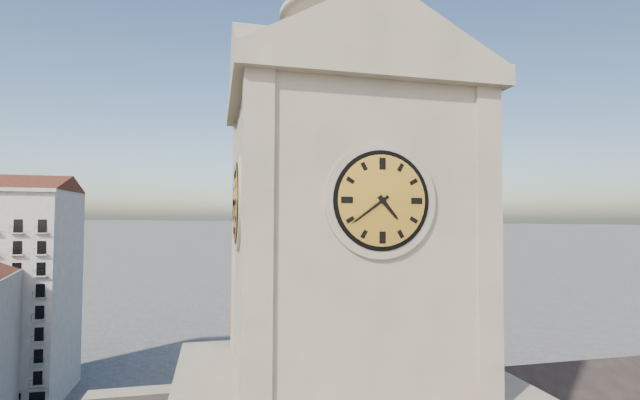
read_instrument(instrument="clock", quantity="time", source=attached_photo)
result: 4:39
